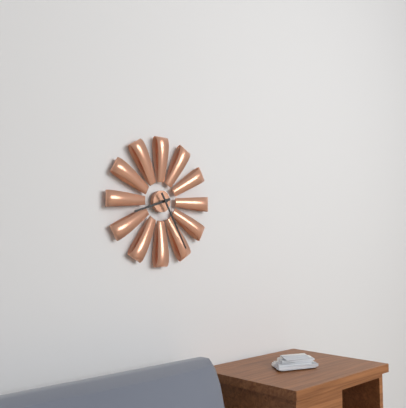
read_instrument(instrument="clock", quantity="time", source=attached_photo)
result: 8:25
